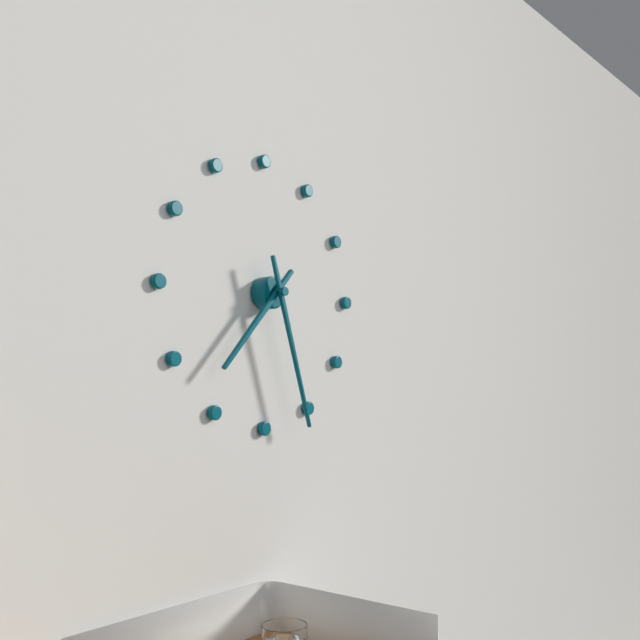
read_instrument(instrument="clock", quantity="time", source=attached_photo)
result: 7:27
